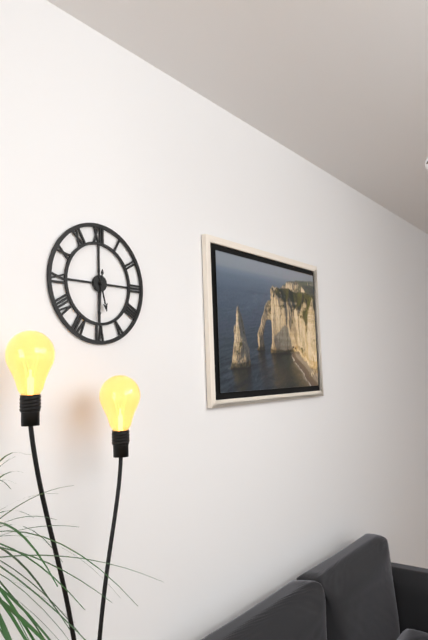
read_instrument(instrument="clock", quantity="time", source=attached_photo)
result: 5:31
